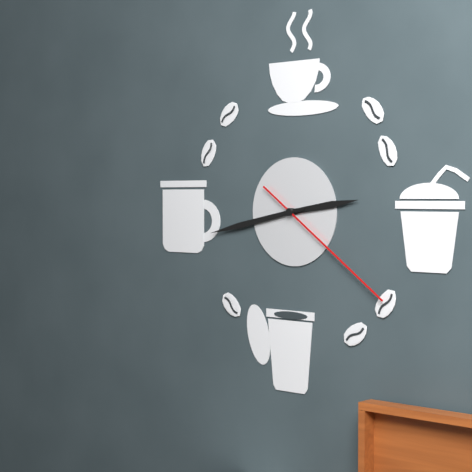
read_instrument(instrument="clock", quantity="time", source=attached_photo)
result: 2:43:21
